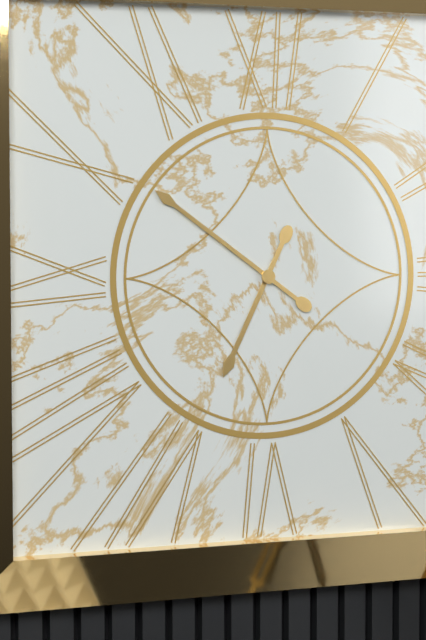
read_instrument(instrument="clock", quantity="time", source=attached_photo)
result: 6:51
